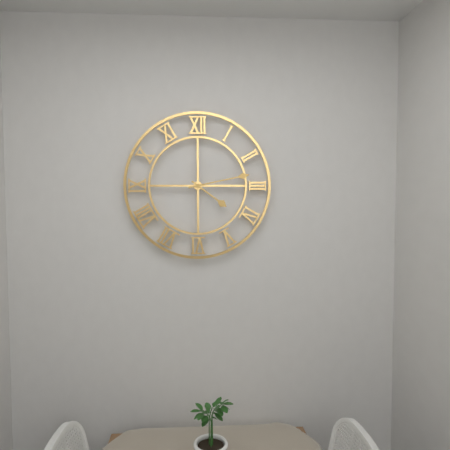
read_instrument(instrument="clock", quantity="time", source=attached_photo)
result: 4:13
